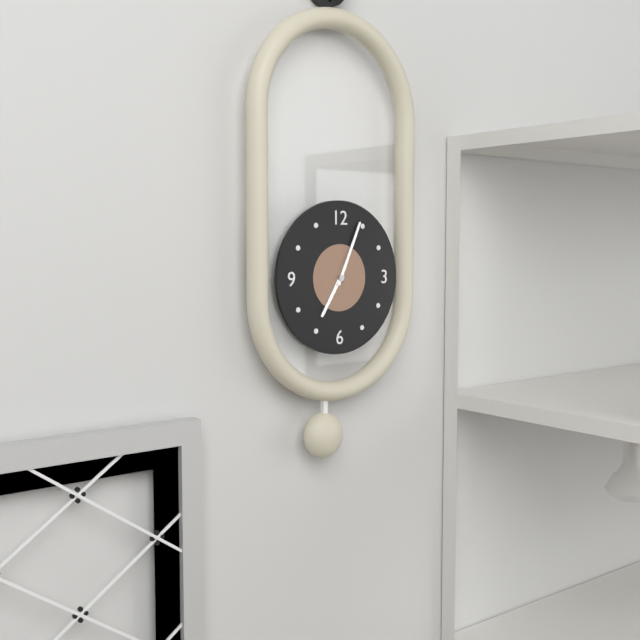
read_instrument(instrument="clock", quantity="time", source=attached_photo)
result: 7:04
